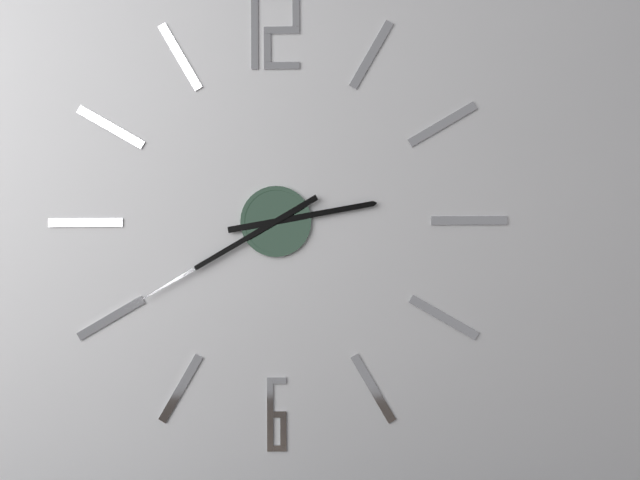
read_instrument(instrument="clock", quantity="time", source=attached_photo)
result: 2:40
